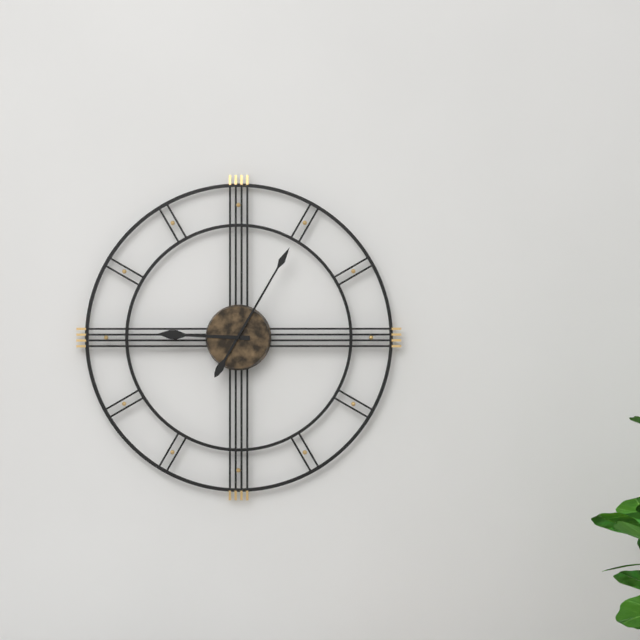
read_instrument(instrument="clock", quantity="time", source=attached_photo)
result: 9:05
